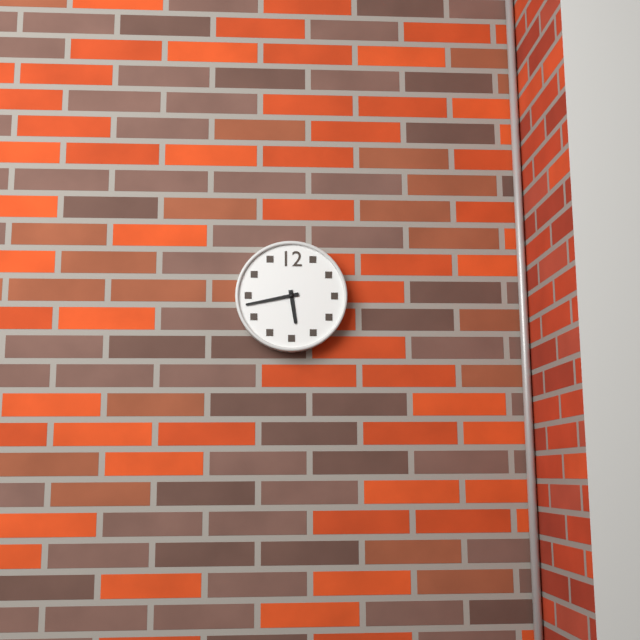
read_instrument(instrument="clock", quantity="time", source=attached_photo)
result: 5:43
